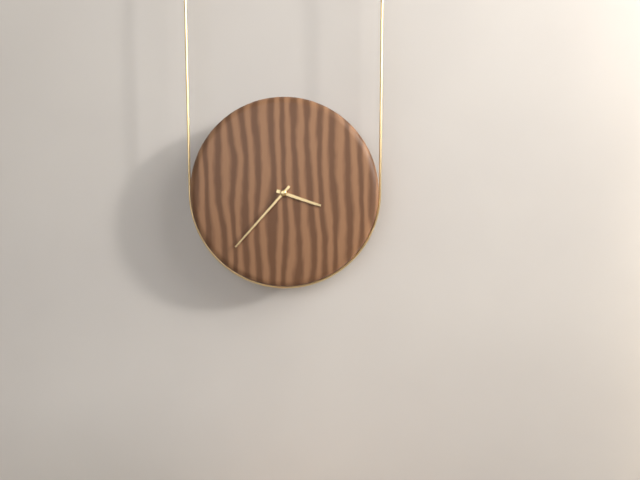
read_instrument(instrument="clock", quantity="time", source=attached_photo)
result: 3:37
